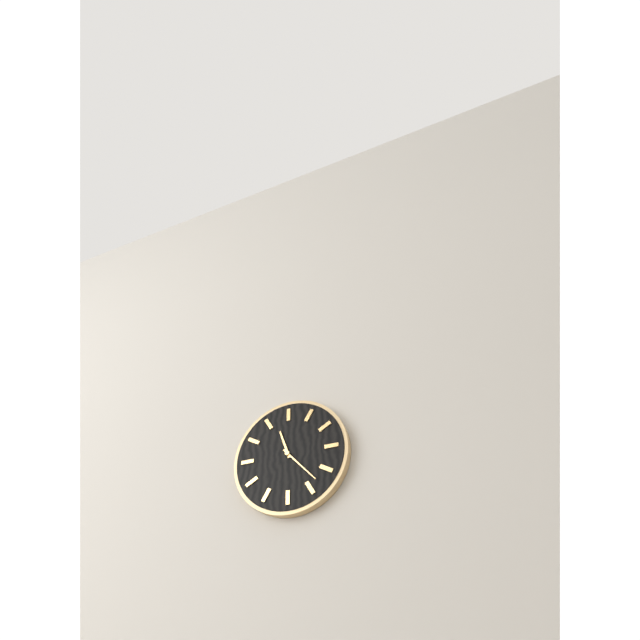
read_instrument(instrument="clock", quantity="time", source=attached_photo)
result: 11:23
